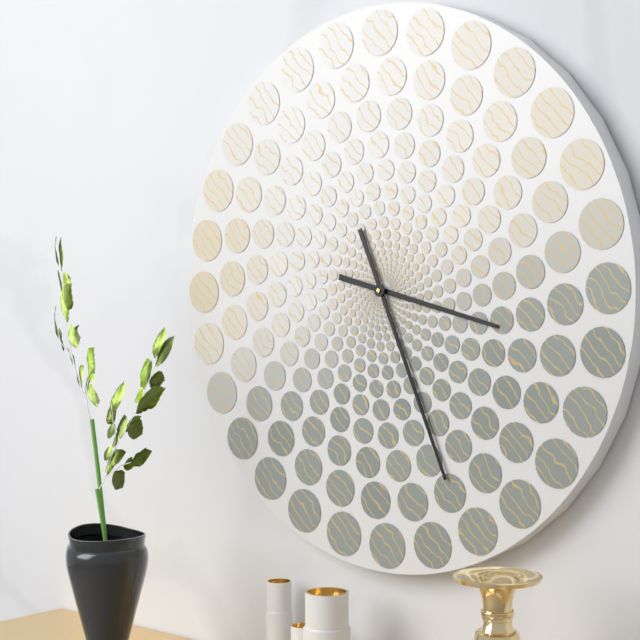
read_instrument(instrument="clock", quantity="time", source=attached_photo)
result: 3:26
